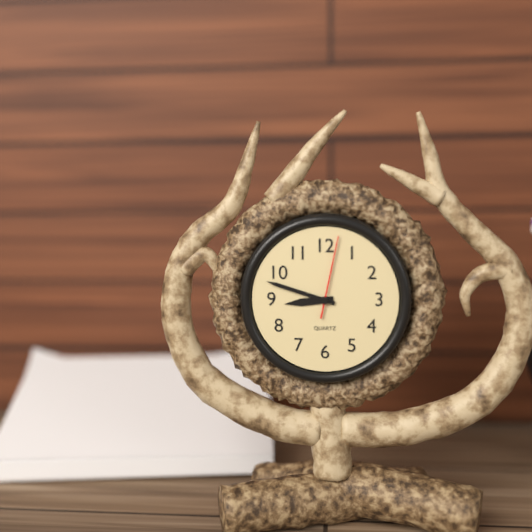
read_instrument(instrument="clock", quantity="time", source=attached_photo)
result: 8:48:02
